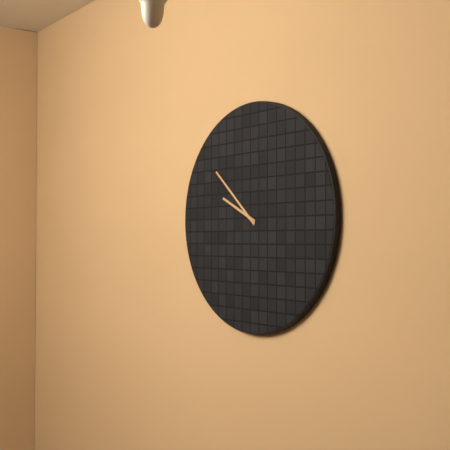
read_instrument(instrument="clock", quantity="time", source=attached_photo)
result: 9:52
